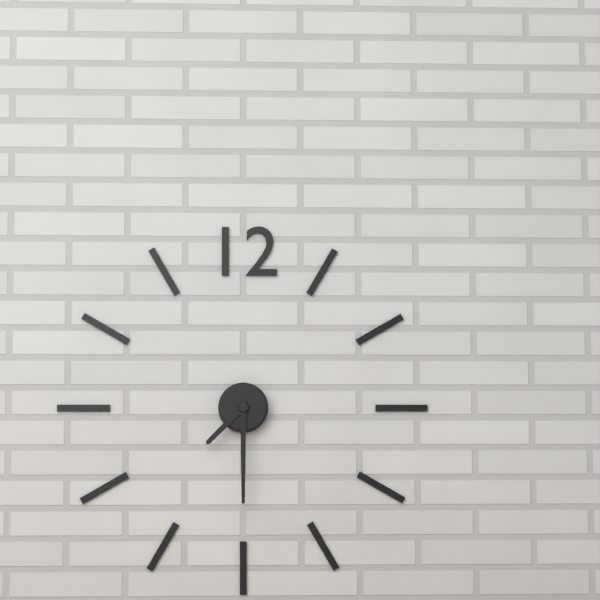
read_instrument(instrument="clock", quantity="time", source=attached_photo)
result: 7:30
